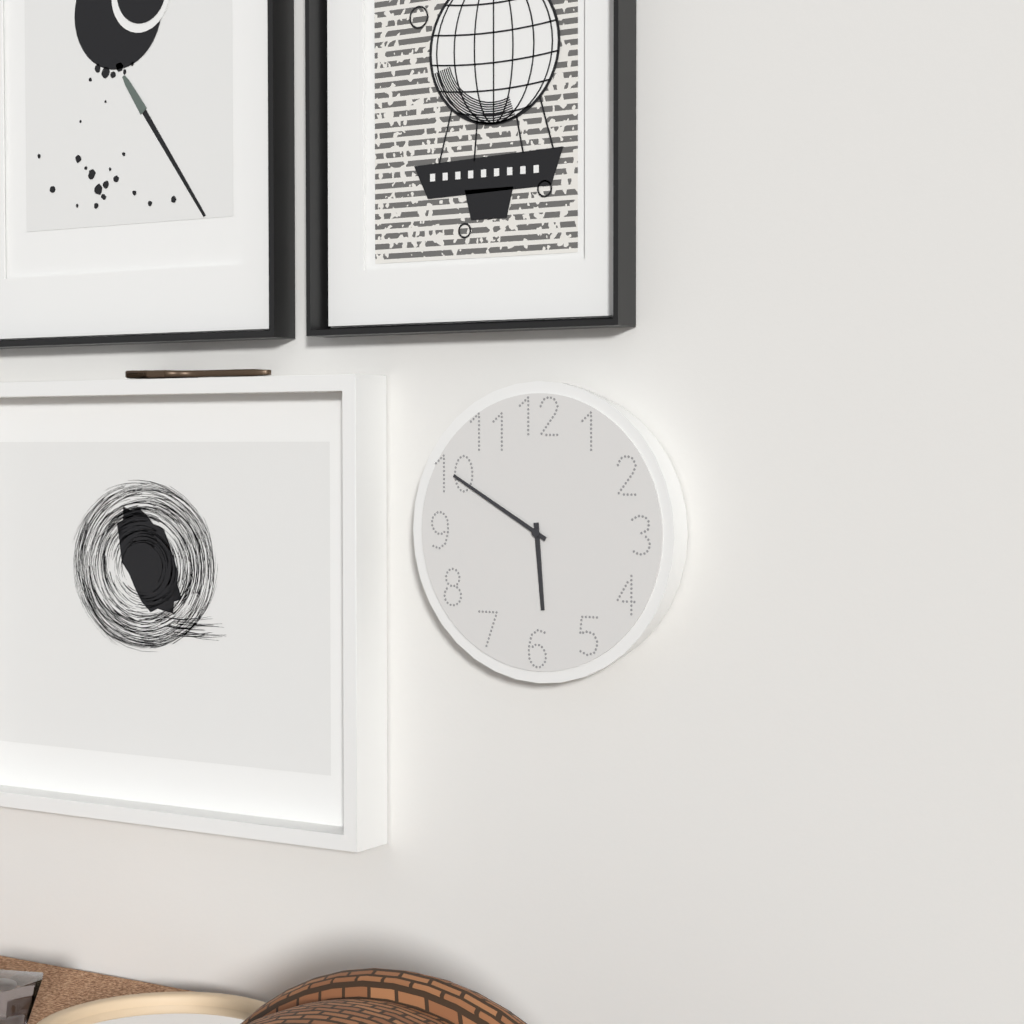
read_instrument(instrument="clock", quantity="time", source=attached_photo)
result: 5:50
